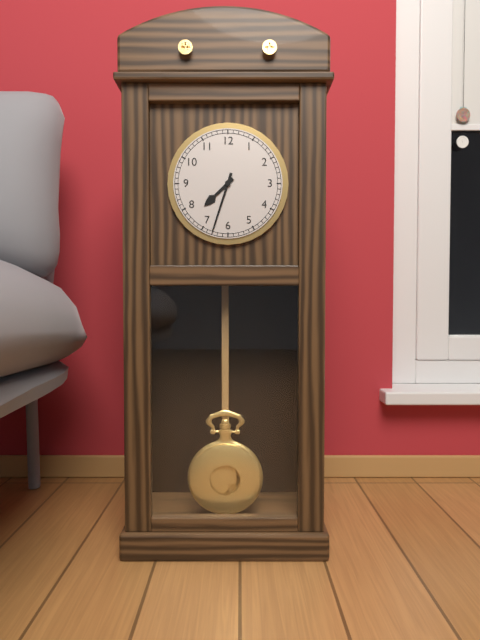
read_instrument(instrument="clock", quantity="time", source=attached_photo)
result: 7:33
